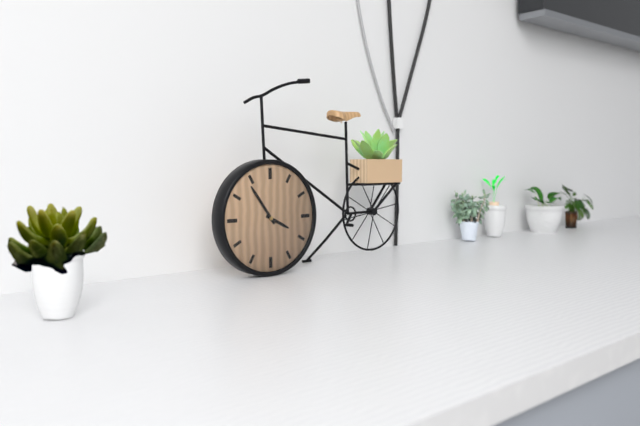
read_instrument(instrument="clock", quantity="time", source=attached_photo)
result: 3:54
